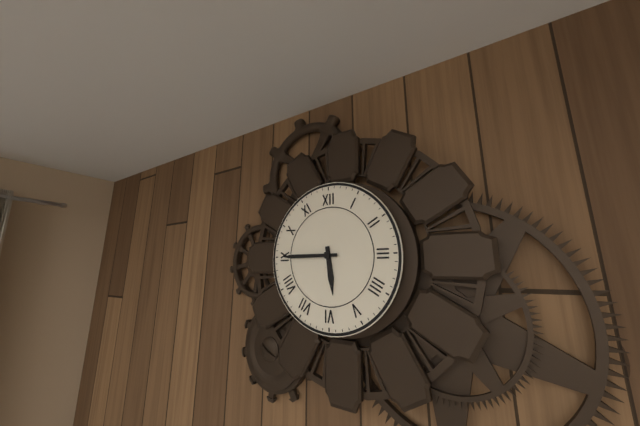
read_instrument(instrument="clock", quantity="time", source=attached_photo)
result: 5:45
